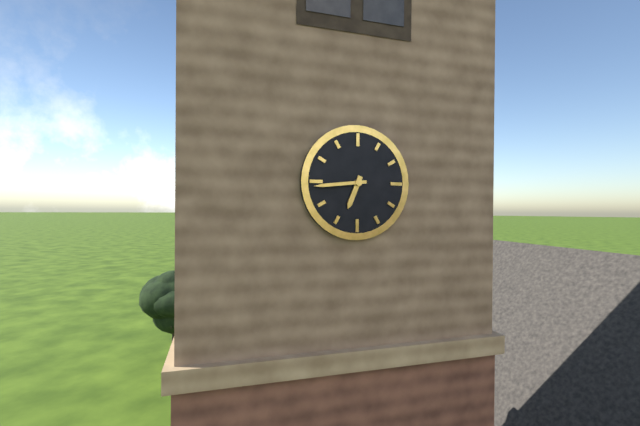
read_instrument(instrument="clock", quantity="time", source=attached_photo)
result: 6:44
